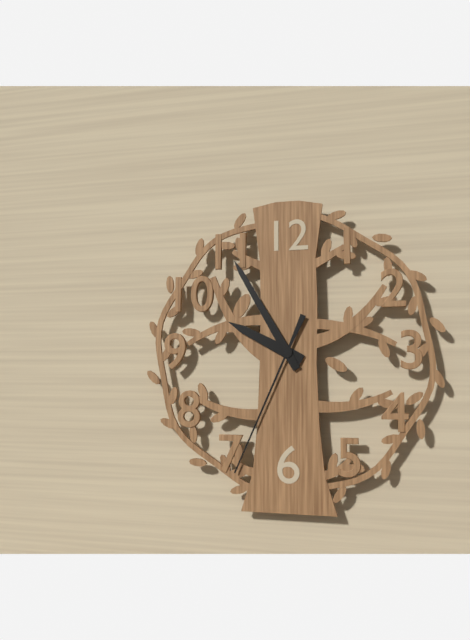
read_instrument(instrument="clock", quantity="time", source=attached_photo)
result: 9:55:34
